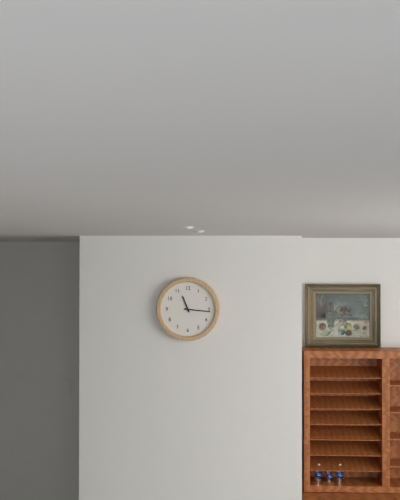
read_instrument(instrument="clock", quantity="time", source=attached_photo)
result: 11:16
